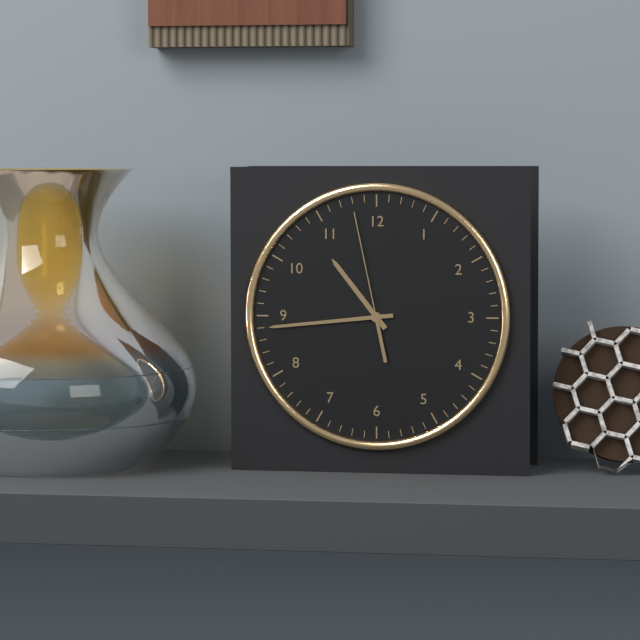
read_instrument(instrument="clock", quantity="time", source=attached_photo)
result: 10:44:58
